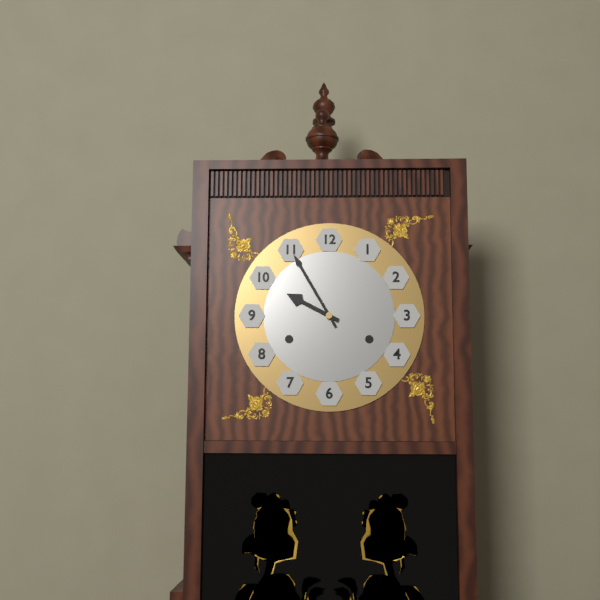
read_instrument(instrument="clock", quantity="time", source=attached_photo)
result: 9:55
